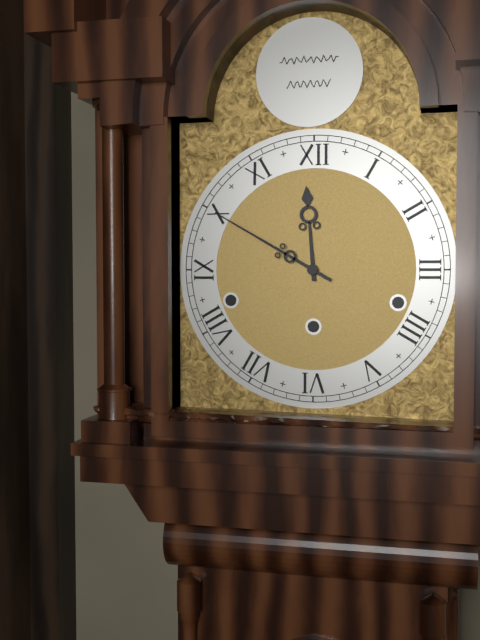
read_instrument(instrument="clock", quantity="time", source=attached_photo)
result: 11:50
